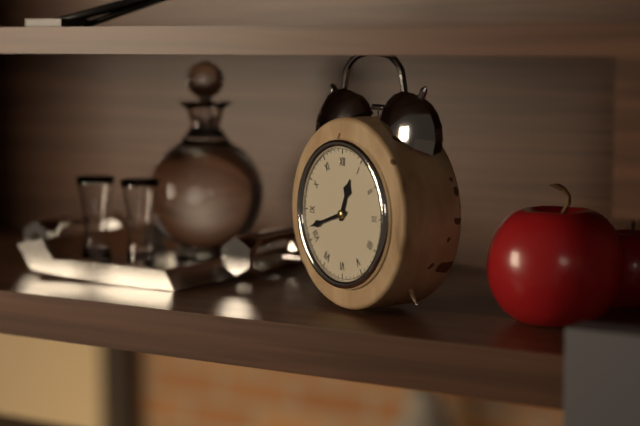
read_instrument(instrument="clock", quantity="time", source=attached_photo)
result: 12:42
